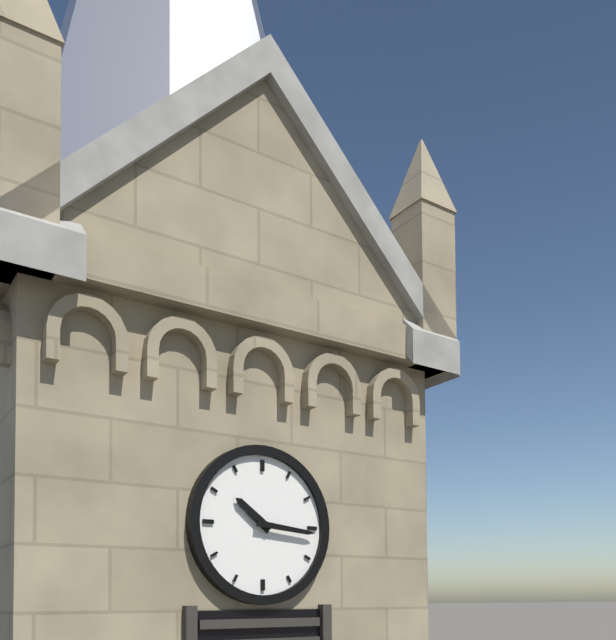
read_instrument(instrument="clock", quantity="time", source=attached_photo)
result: 10:16
